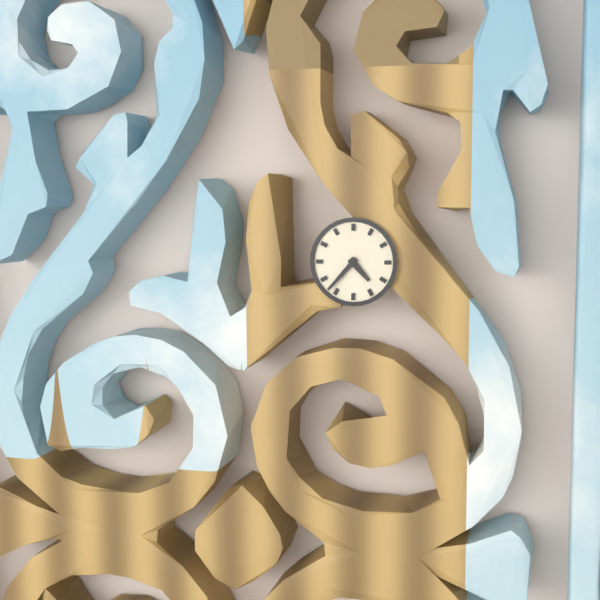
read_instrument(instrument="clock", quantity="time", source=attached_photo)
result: 4:37
